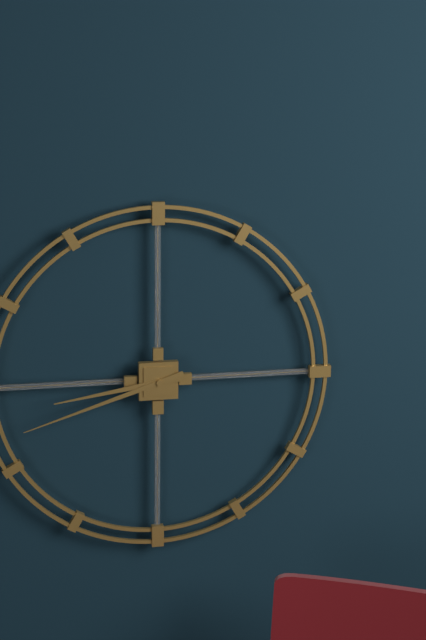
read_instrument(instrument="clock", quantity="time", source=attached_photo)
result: 8:42
